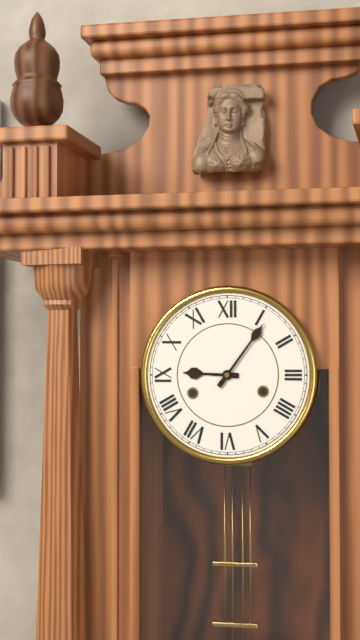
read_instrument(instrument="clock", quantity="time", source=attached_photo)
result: 9:06
